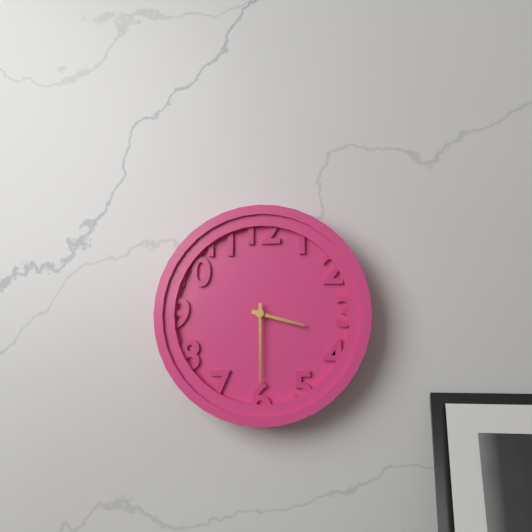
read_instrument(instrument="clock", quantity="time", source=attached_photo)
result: 3:30
